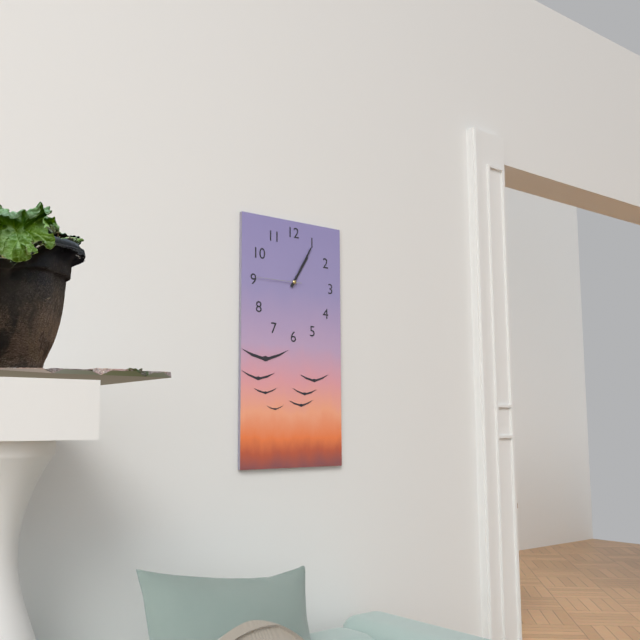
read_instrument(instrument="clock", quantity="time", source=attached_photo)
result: 1:05
